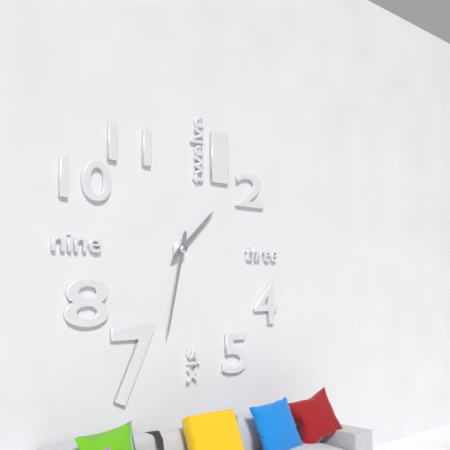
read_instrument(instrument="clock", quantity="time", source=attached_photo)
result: 1:32
